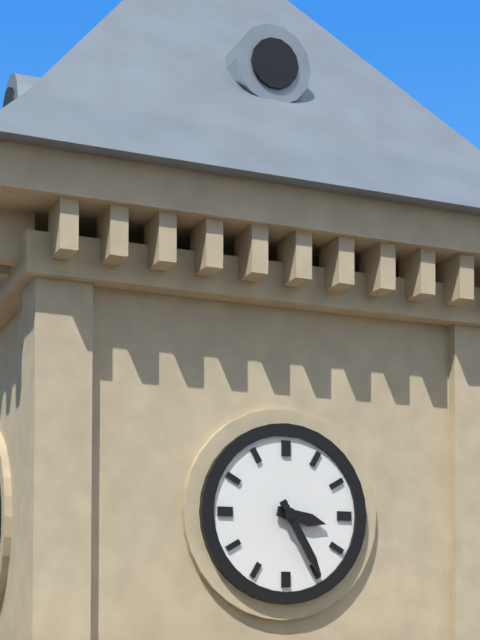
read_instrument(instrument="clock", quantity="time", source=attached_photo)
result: 3:25
